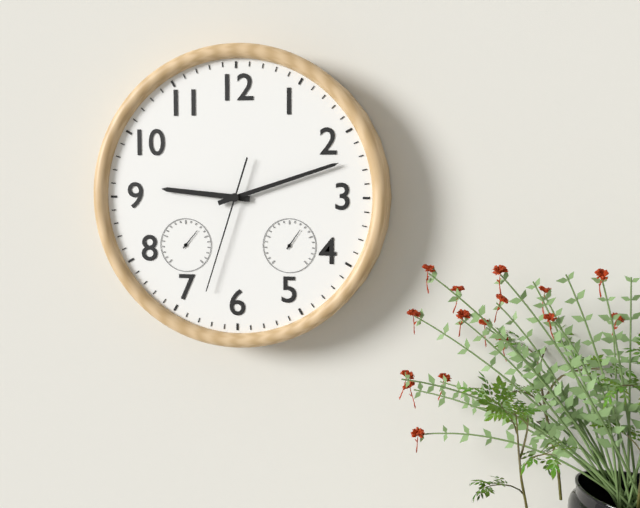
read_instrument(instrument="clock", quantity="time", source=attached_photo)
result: 9:12:33
